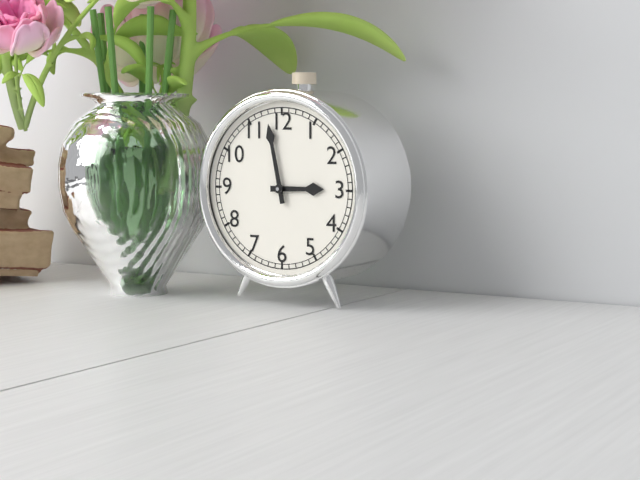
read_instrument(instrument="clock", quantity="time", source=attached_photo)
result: 2:58
